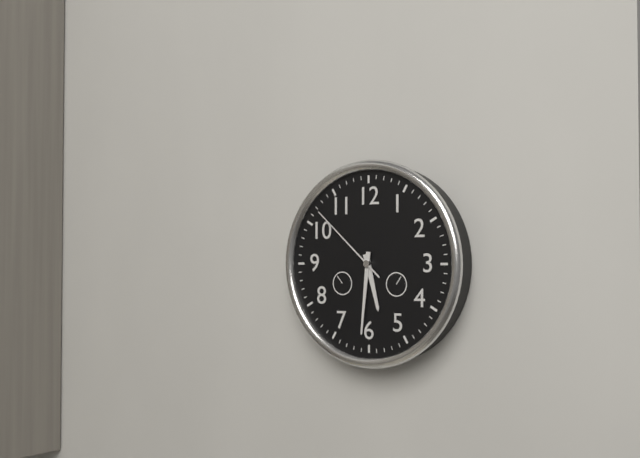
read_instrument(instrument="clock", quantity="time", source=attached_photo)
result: 5:31:52
